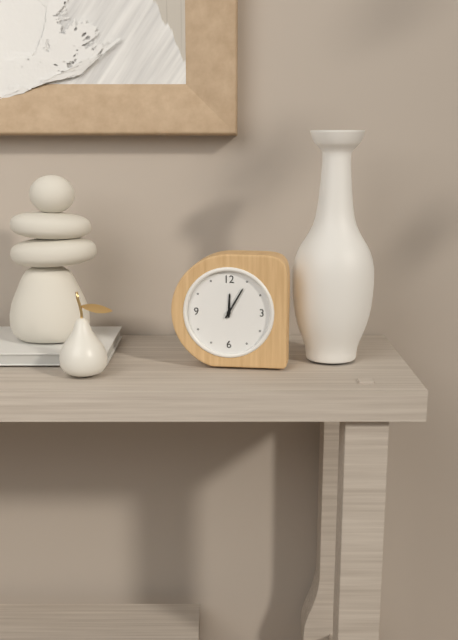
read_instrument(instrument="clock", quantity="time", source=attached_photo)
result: 12:05
